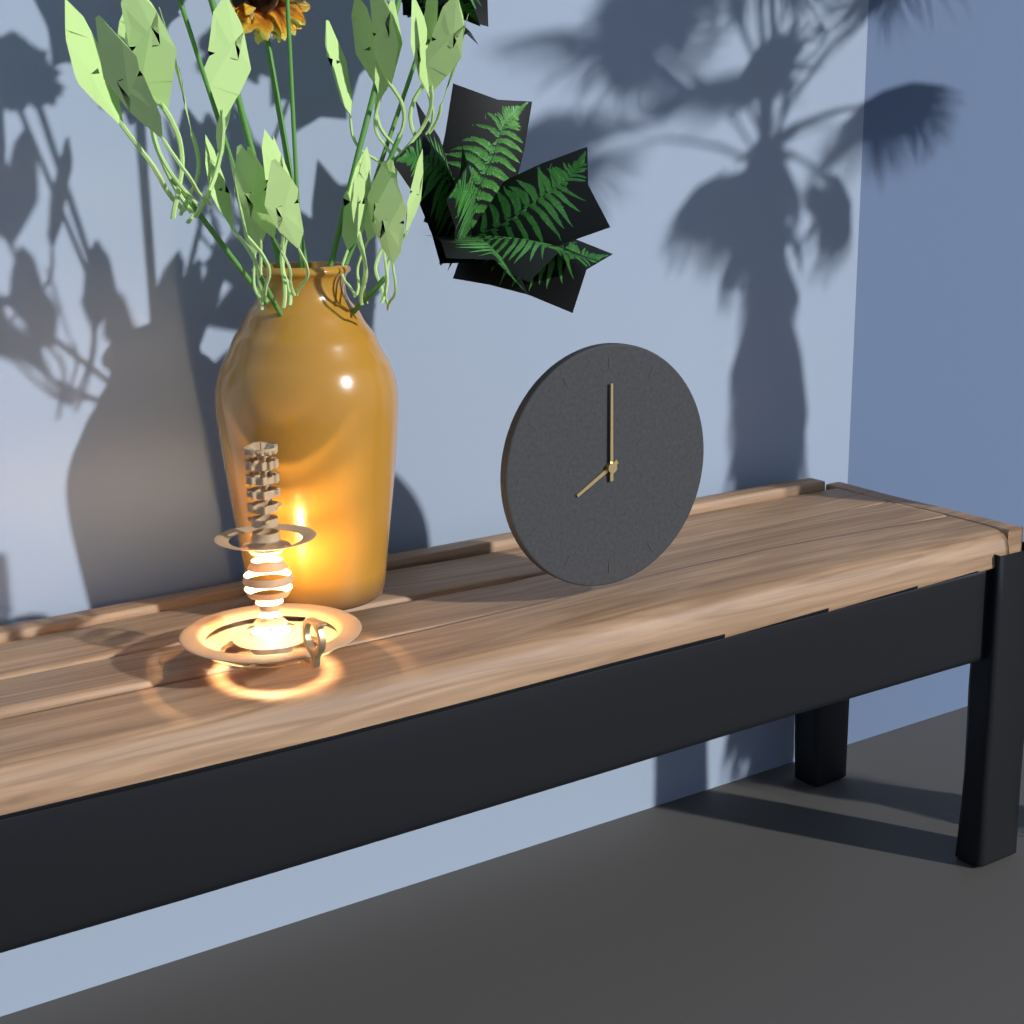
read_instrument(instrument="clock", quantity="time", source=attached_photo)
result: 8:00
